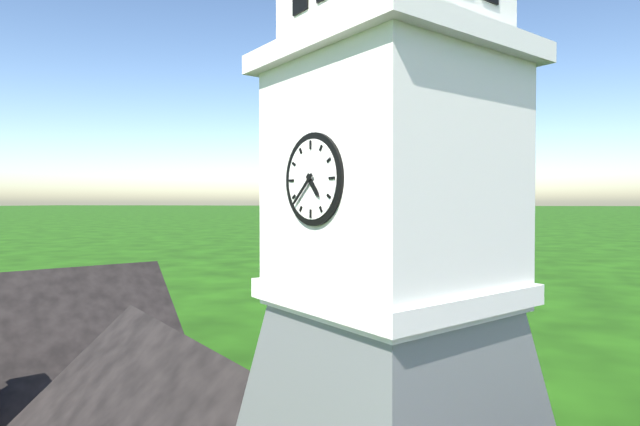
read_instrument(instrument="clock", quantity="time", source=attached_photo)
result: 4:38
